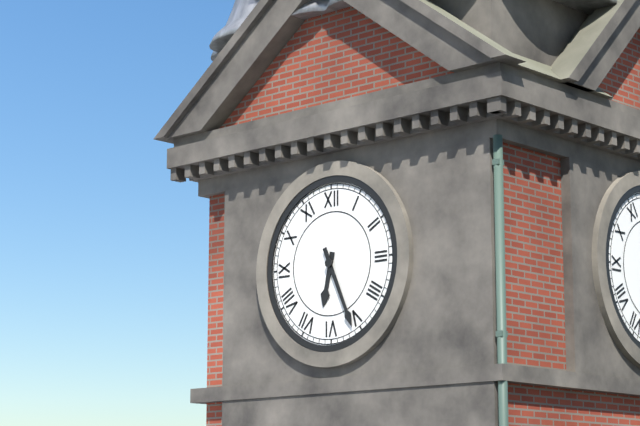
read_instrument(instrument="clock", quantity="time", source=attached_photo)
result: 6:26
